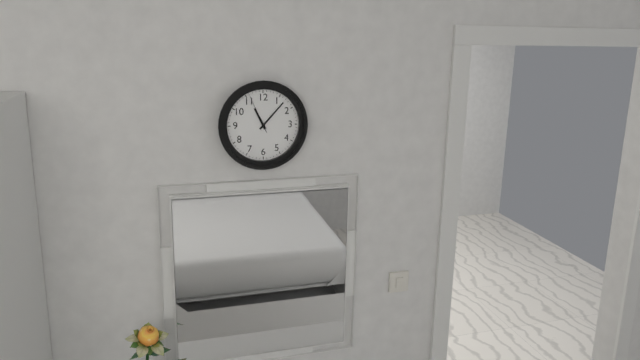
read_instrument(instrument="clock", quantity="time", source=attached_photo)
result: 11:07
